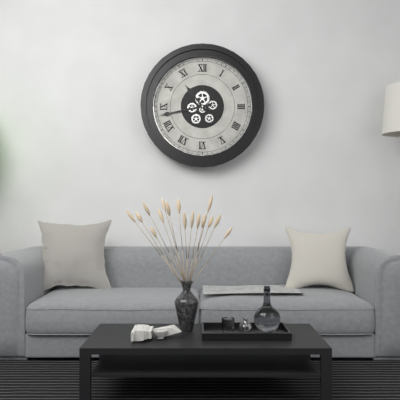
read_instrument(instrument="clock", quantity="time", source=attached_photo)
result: 10:43
